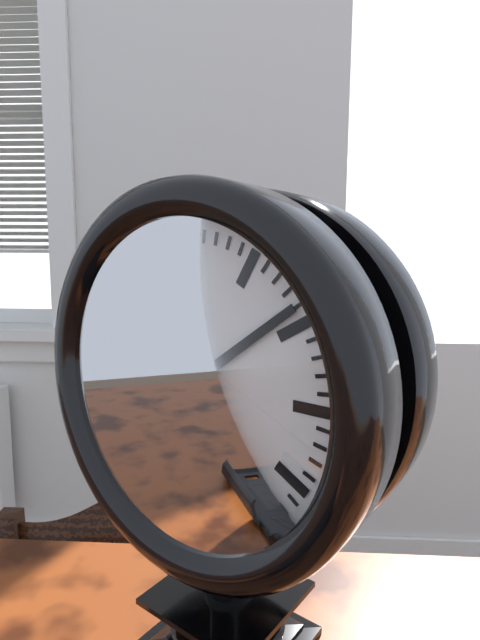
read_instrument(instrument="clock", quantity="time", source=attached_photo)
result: 6:09:43
